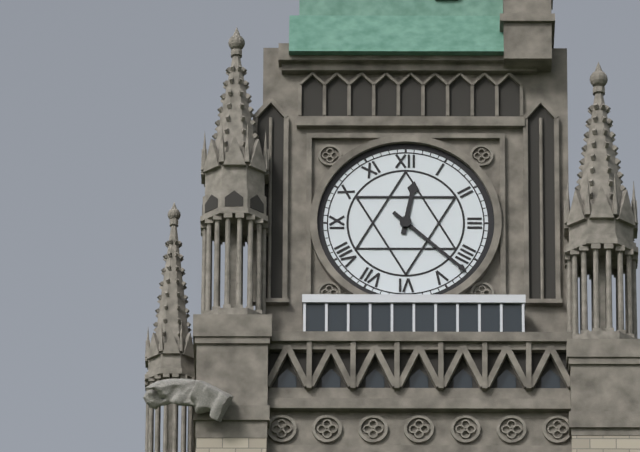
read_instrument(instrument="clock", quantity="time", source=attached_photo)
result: 12:22
